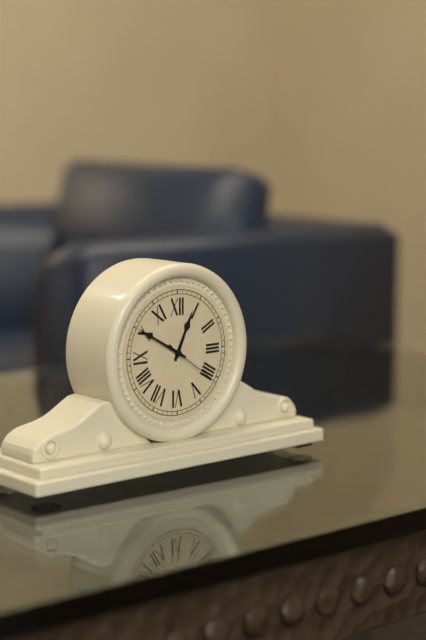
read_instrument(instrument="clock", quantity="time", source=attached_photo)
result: 12:50:21
